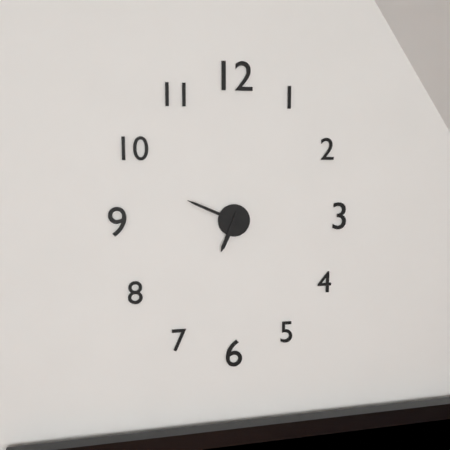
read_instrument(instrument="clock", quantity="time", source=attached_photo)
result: 6:49
